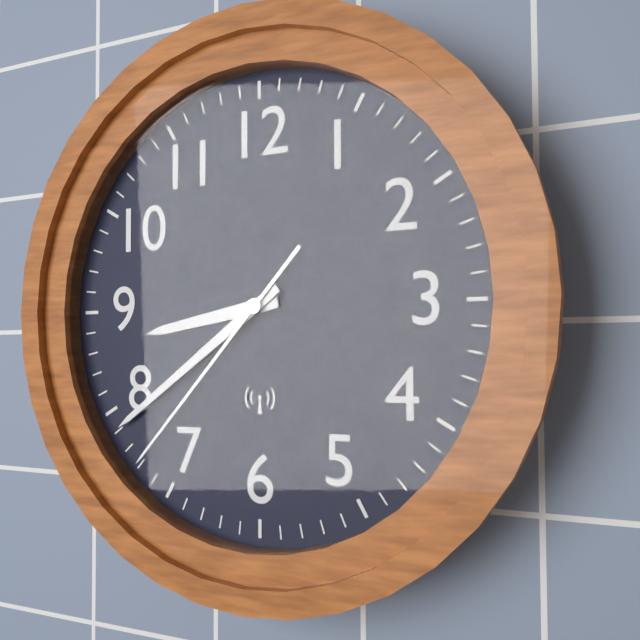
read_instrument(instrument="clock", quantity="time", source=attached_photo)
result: 8:39:37
